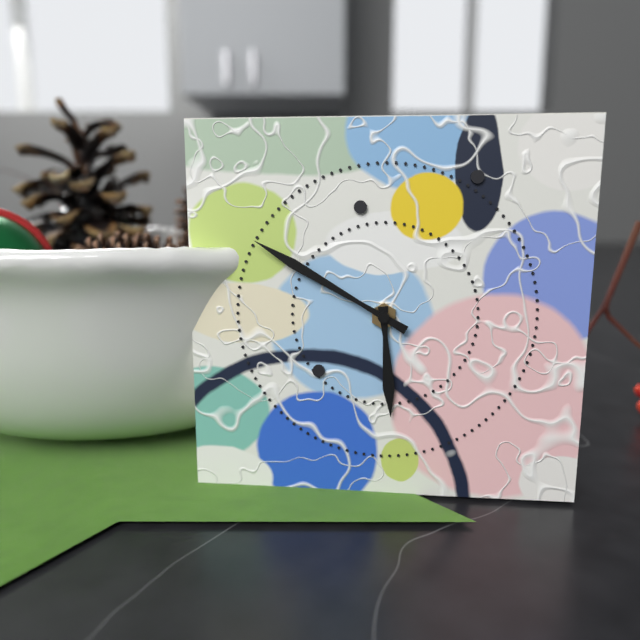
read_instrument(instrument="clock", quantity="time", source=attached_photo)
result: 5:50
